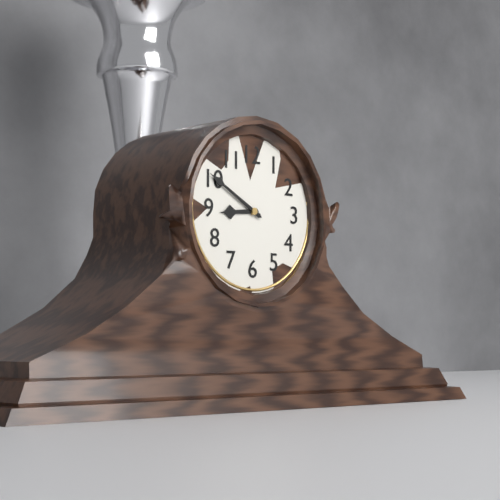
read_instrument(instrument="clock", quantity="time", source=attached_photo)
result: 8:50
